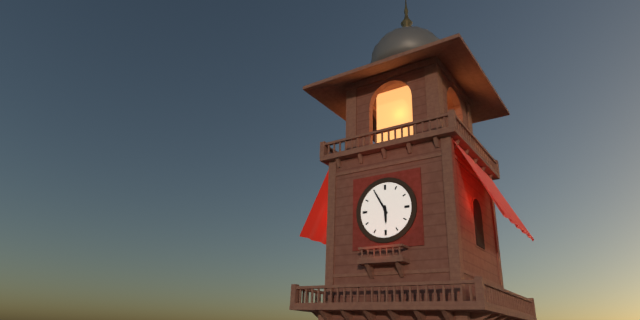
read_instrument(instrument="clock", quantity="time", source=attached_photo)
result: 5:55
